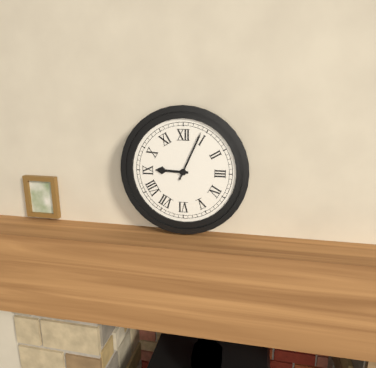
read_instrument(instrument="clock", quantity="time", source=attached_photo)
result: 9:04
